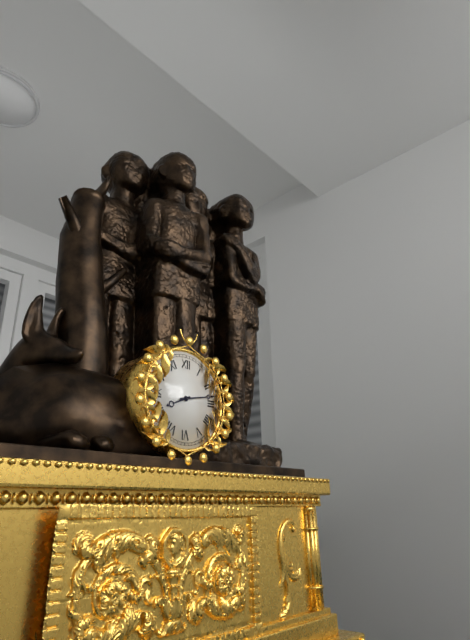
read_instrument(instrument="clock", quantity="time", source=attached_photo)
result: 8:13
